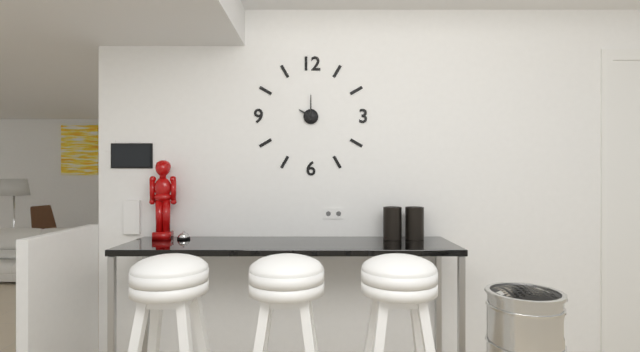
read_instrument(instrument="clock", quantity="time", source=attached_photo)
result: 10:00
